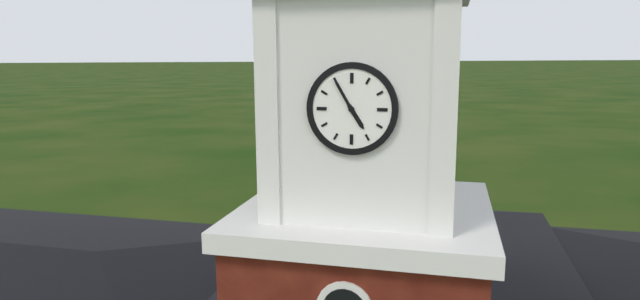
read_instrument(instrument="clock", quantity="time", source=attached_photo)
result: 4:55
